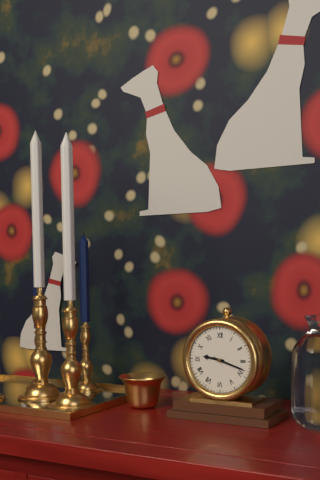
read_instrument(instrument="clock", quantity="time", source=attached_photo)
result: 9:18
